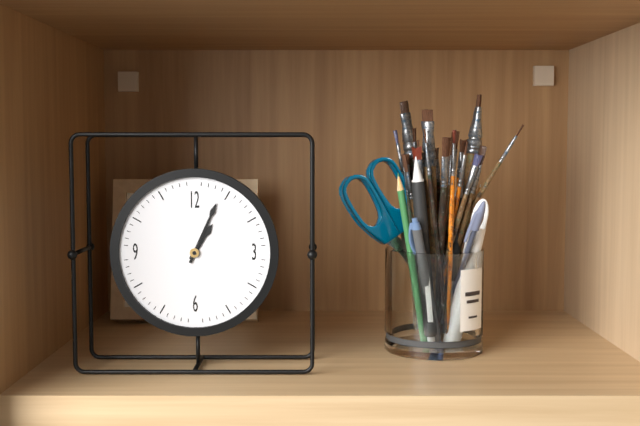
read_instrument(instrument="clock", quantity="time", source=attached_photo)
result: 1:04
